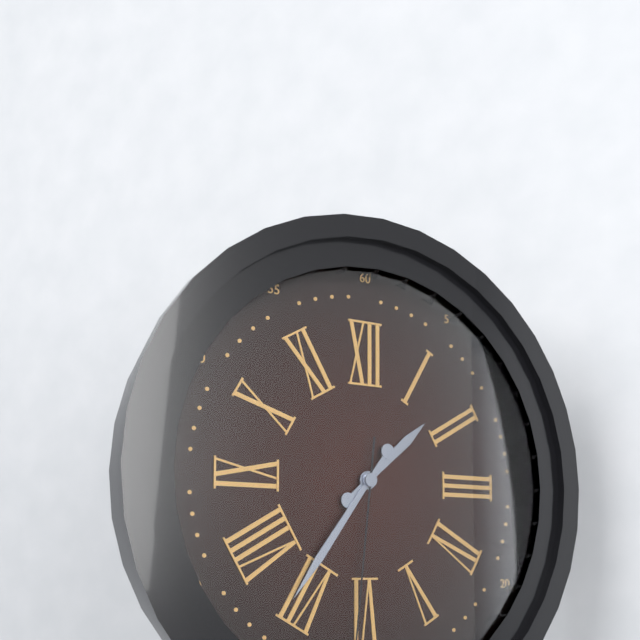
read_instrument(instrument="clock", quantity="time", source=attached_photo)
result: 1:36
